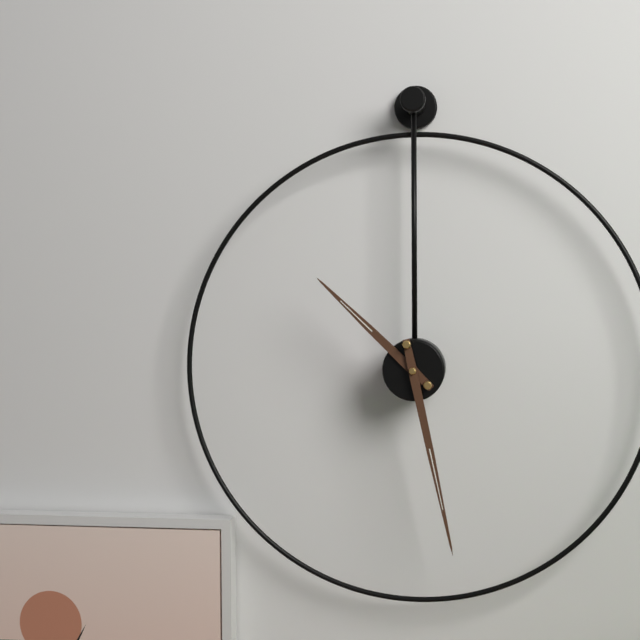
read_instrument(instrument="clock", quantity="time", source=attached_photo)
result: 10:28
